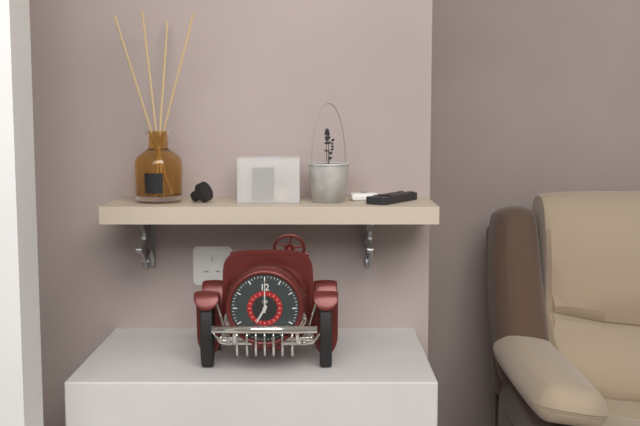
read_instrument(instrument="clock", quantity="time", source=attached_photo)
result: 7:00
